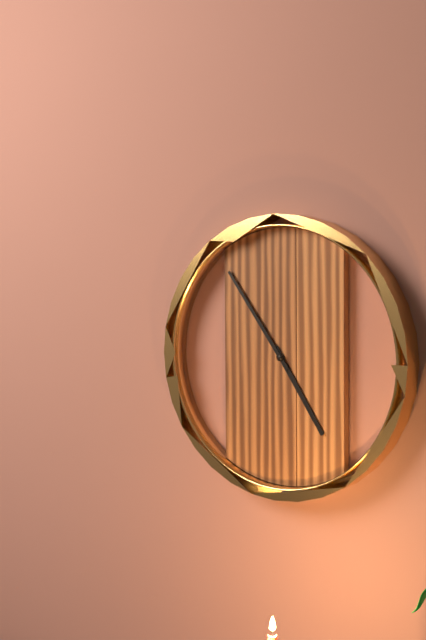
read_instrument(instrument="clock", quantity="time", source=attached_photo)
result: 4:54
